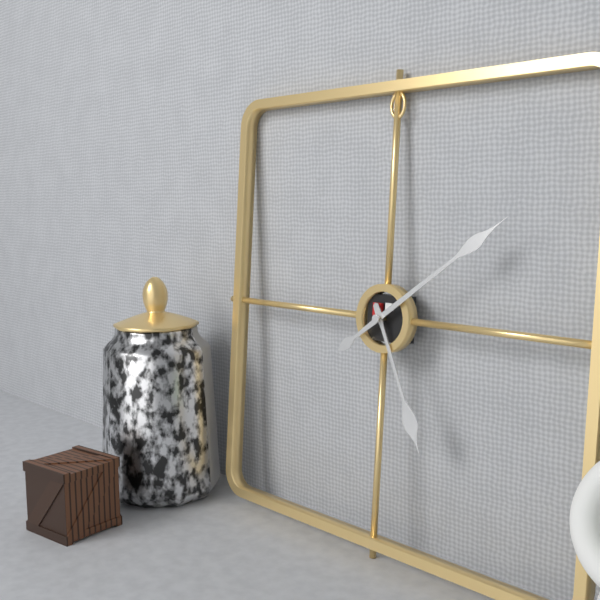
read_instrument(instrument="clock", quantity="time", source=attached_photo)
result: 5:09
